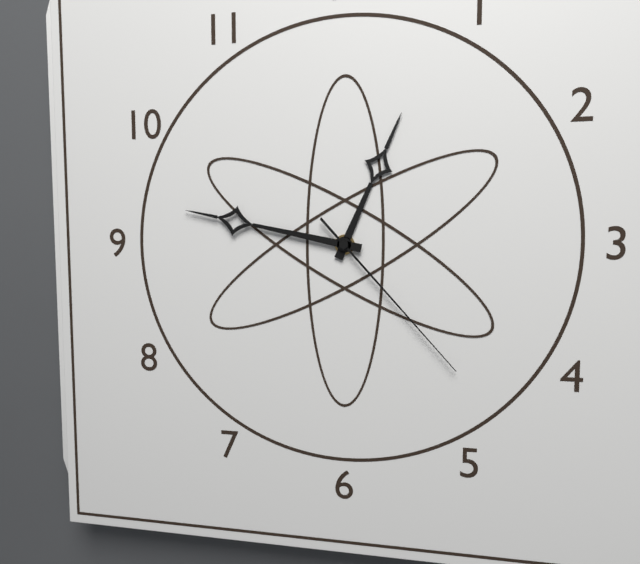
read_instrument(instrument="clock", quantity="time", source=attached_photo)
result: 12:47:23
